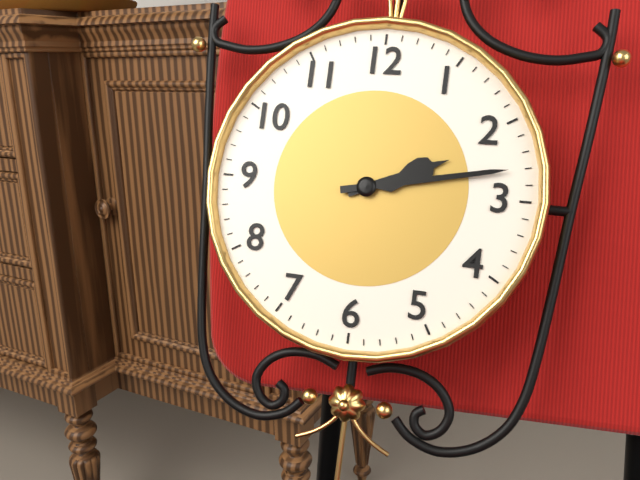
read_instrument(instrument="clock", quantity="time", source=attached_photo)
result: 2:13
